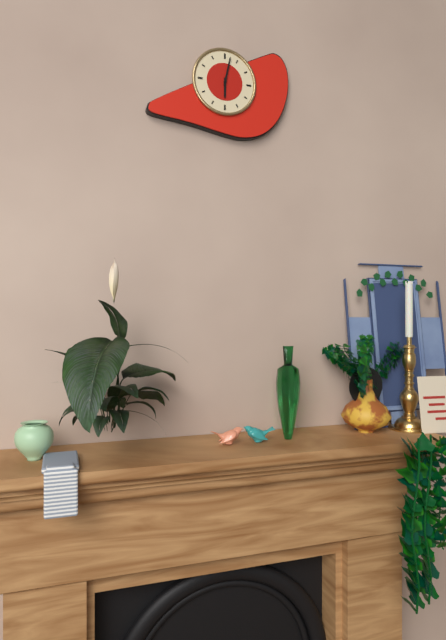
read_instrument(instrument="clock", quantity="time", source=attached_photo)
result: 6:02
